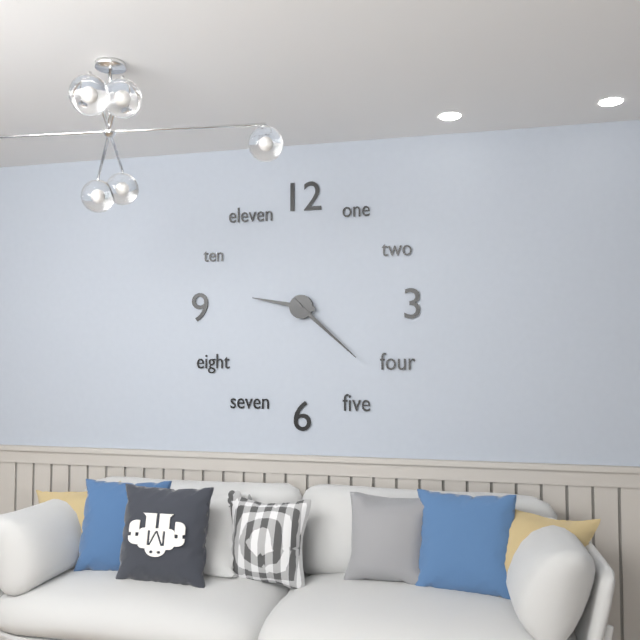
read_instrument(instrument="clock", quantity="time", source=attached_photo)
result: 9:22
